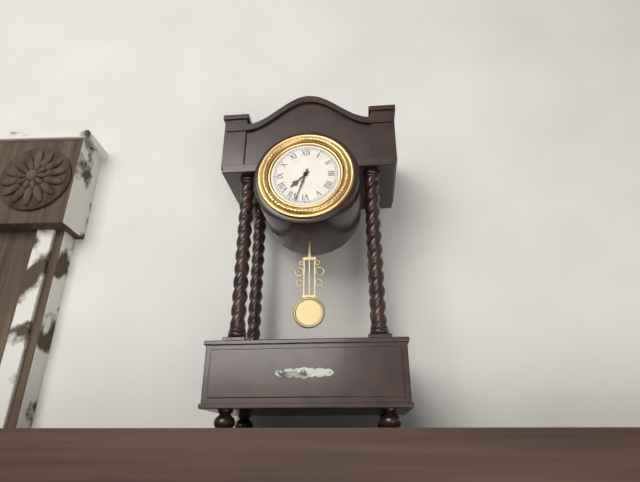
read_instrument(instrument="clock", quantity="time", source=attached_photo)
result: 7:33
